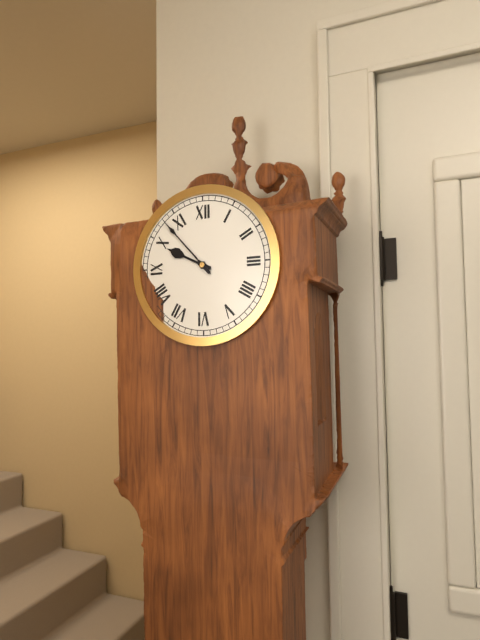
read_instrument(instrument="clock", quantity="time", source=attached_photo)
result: 9:53
